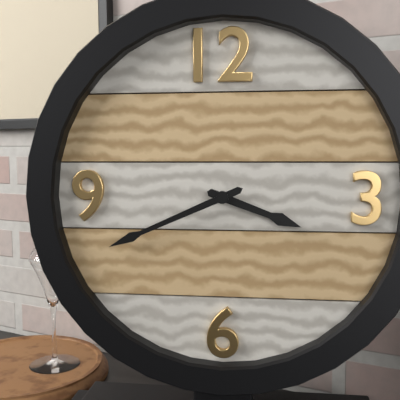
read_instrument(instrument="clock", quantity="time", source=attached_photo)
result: 3:41
